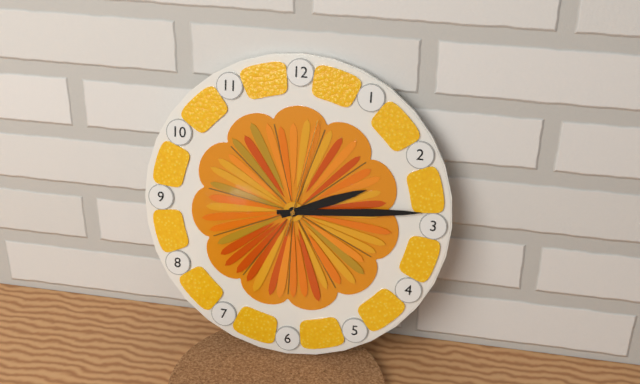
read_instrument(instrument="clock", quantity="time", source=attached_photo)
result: 2:14:02
